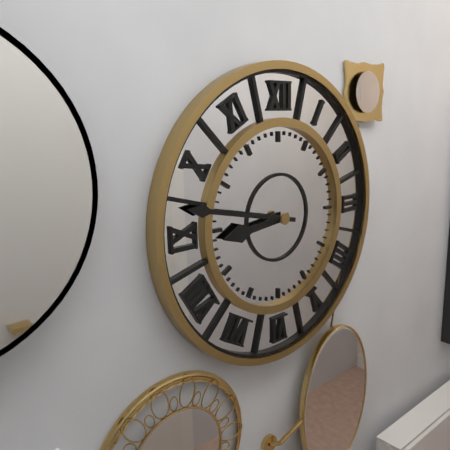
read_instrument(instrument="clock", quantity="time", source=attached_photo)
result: 8:47
